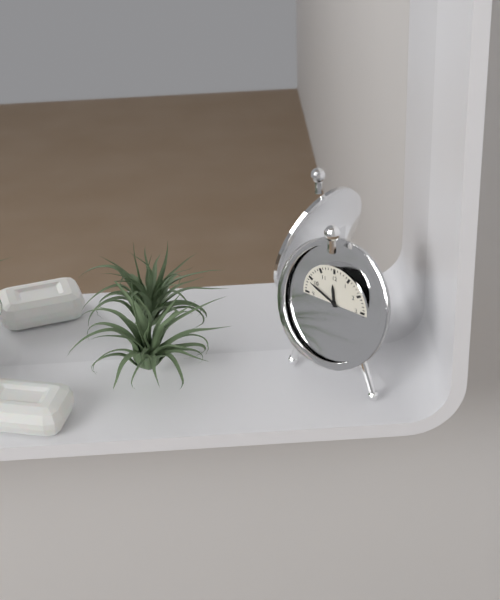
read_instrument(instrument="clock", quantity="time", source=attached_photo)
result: 11:49
